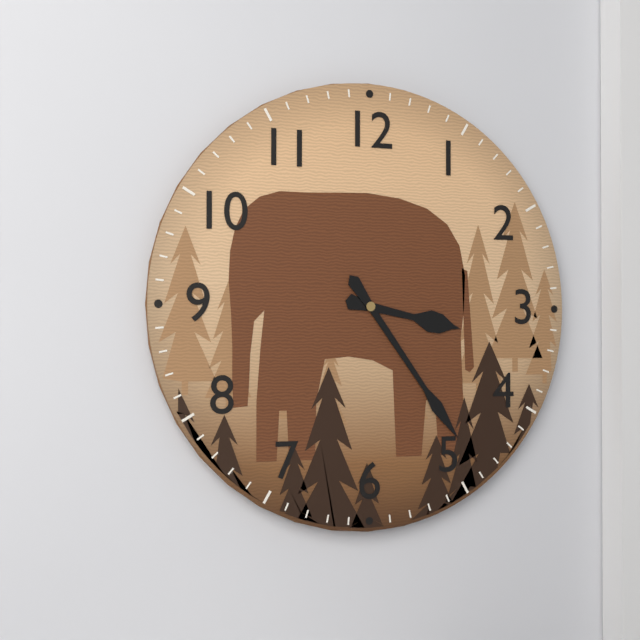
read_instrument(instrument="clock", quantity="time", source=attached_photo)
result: 3:24
